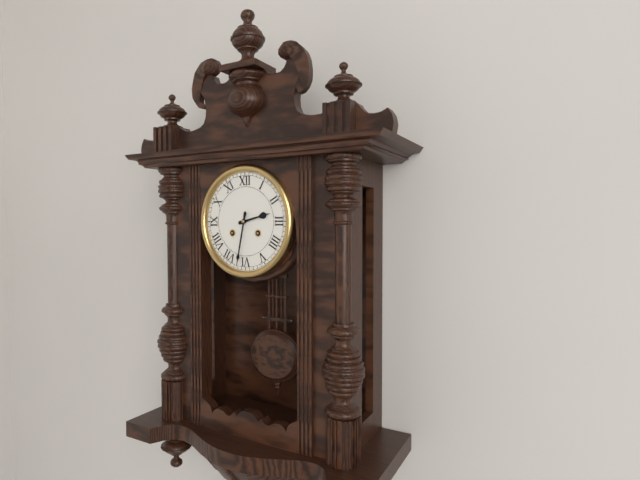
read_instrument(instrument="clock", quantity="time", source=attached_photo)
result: 2:32
